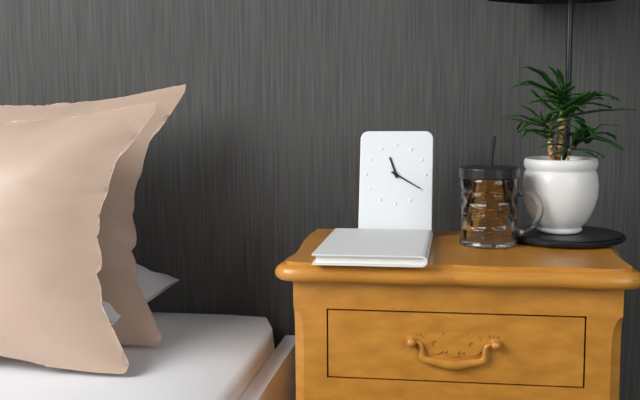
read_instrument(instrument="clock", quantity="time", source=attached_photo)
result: 11:20
